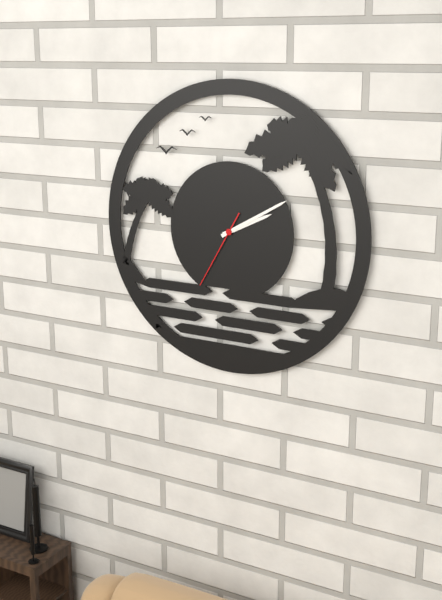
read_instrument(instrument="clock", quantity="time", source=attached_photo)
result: 2:10:35
